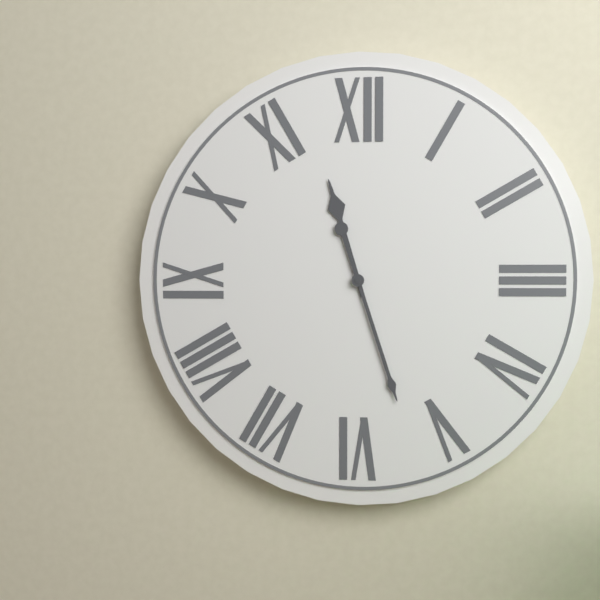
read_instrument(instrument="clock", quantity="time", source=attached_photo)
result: 11:27
